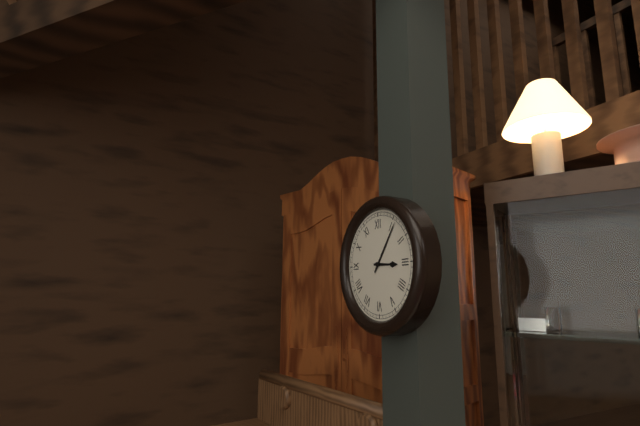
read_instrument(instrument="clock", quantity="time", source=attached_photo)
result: 3:06
